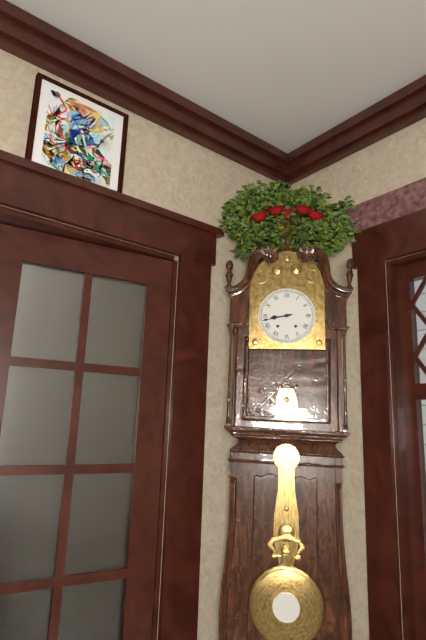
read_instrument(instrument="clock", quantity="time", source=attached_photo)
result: 8:43
